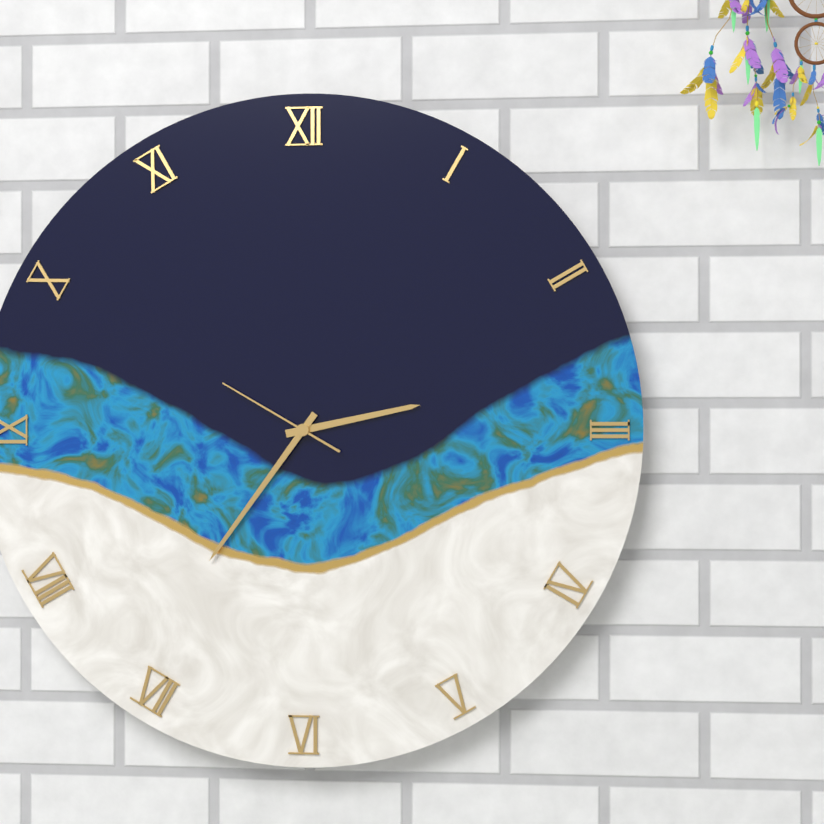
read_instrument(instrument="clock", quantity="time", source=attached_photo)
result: 2:36:50
